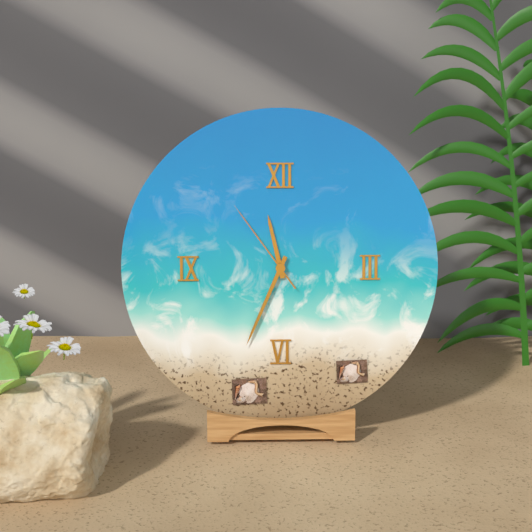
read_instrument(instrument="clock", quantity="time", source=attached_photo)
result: 11:34:54
